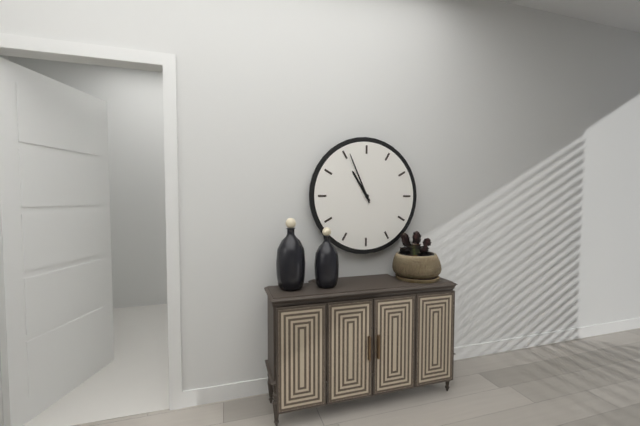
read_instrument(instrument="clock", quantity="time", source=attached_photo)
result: 10:56
